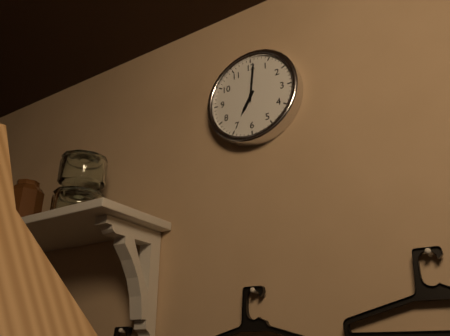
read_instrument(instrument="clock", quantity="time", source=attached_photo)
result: 7:01
